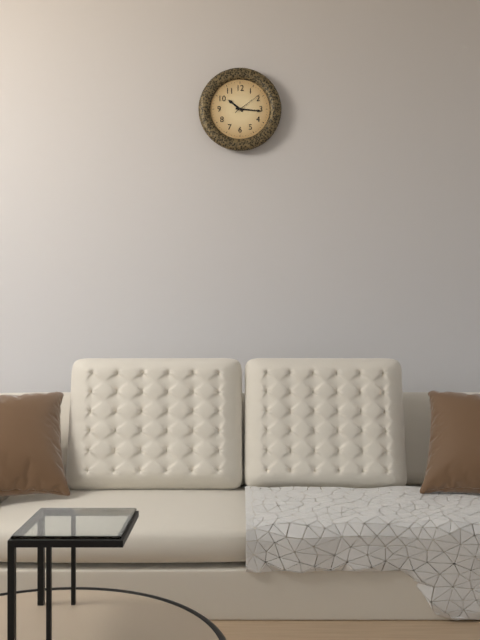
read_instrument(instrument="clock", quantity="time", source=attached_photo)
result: 10:16
